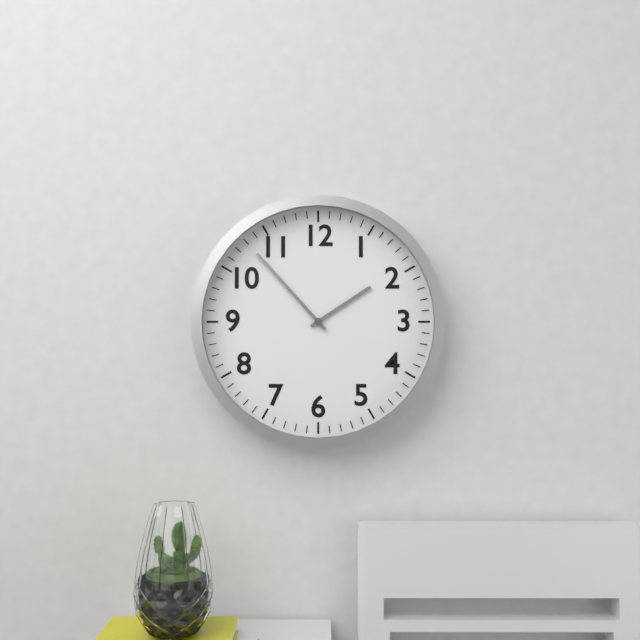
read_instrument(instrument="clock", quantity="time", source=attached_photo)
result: 1:53
